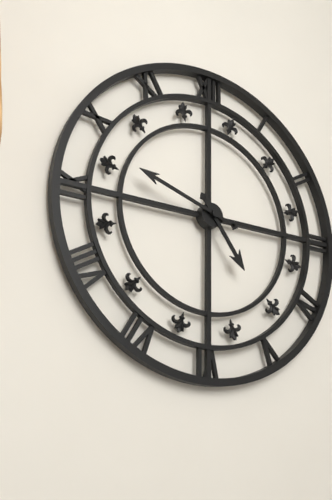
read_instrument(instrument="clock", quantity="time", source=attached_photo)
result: 4:48
